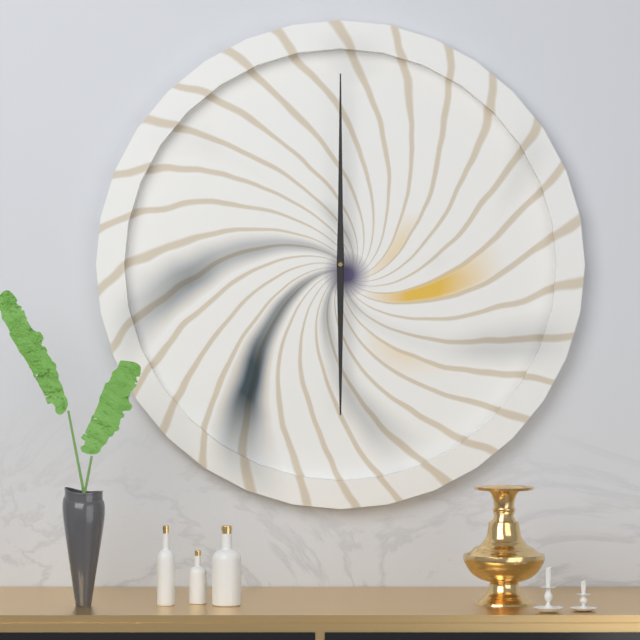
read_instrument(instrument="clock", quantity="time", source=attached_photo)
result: 6:00
